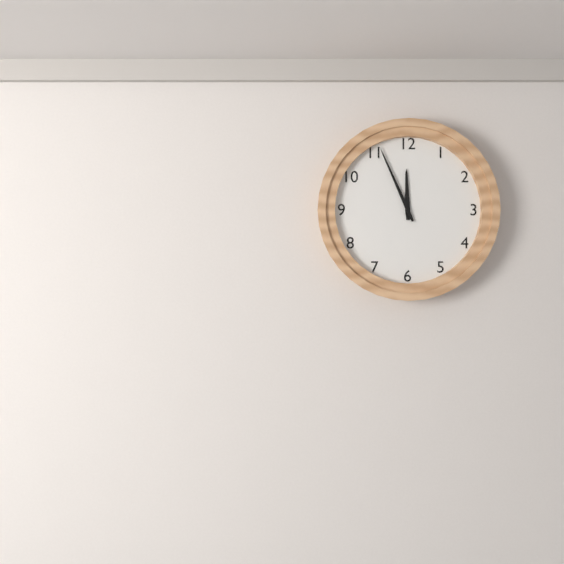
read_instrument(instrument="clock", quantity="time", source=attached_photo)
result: 11:56
